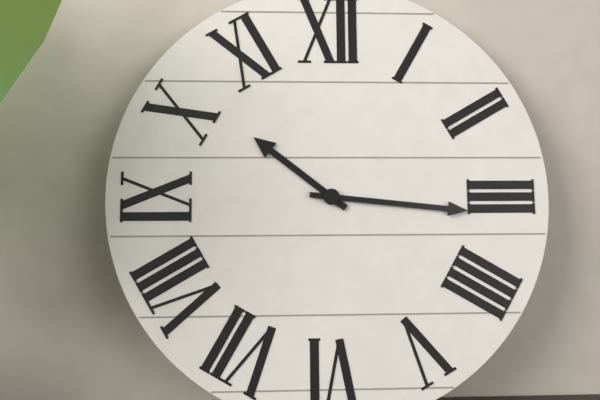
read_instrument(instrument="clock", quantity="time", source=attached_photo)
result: 10:16
